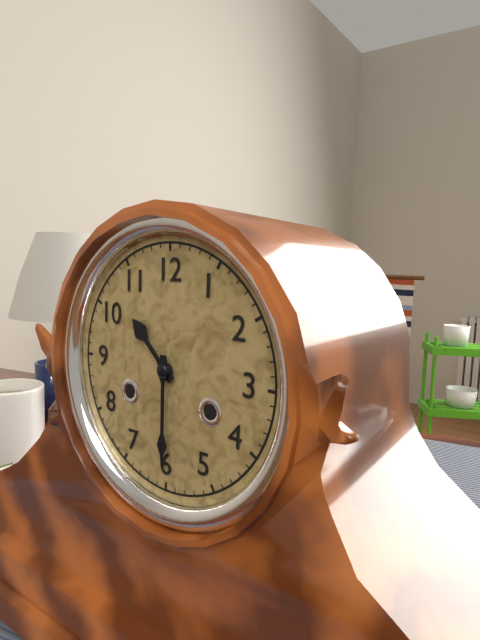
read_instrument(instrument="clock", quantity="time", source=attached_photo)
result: 10:30
